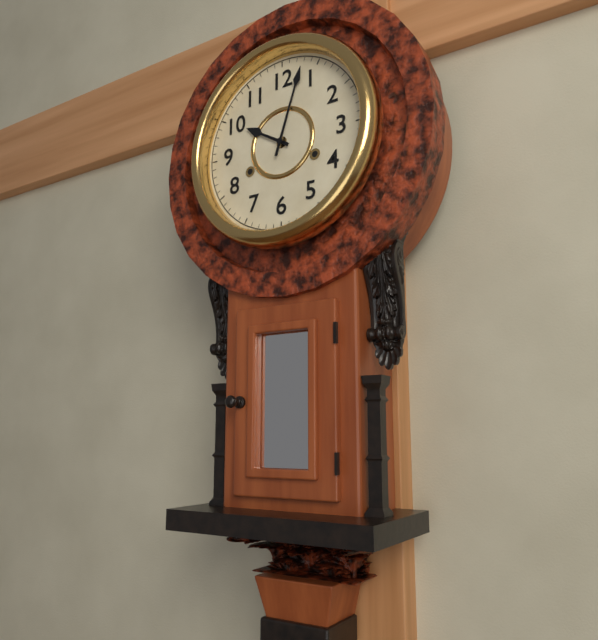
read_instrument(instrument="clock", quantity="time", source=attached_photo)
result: 10:03
